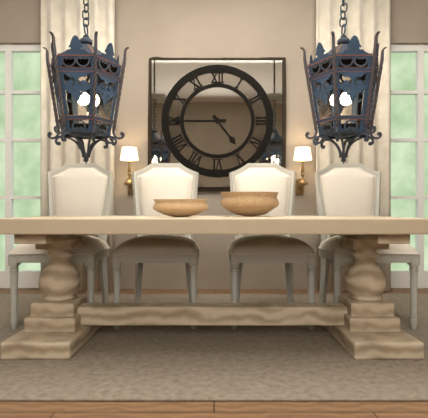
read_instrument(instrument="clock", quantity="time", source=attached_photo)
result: 4:45
